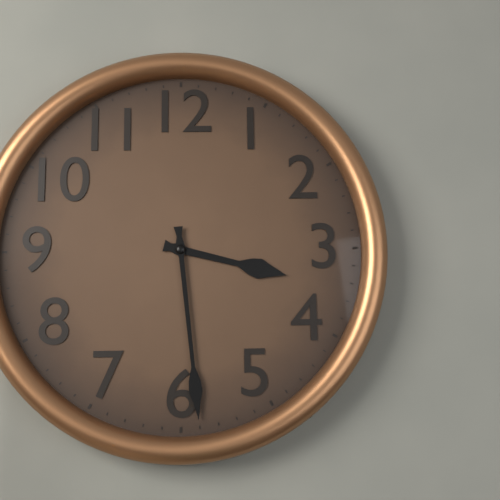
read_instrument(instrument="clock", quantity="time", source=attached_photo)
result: 3:29
